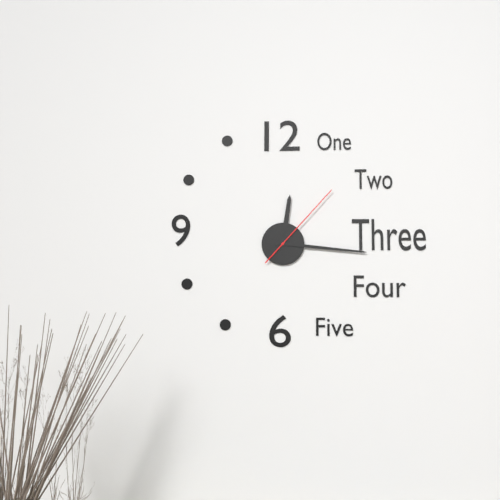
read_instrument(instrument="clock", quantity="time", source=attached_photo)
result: 12:16:07
